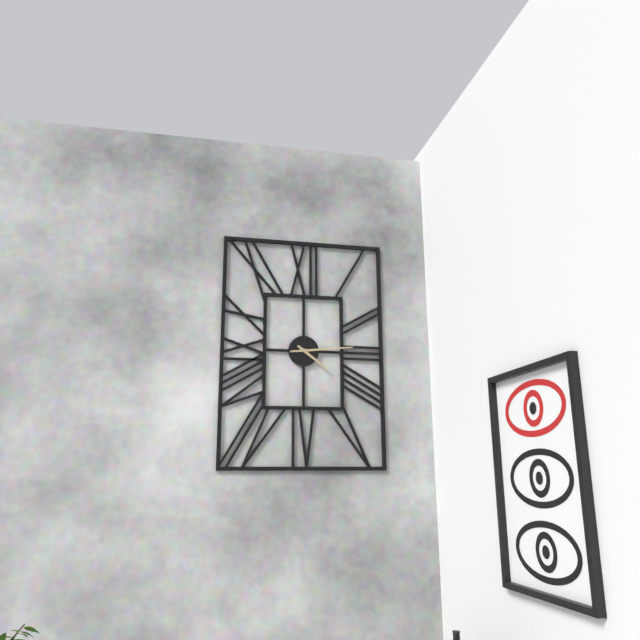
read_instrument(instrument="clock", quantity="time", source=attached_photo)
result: 4:14
